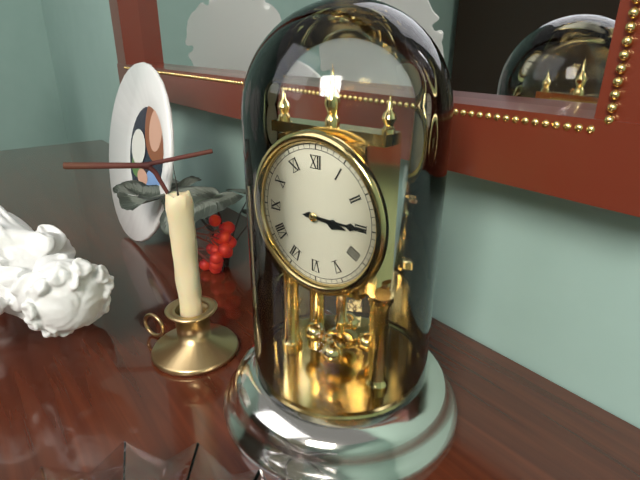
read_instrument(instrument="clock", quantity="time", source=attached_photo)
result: 3:15
